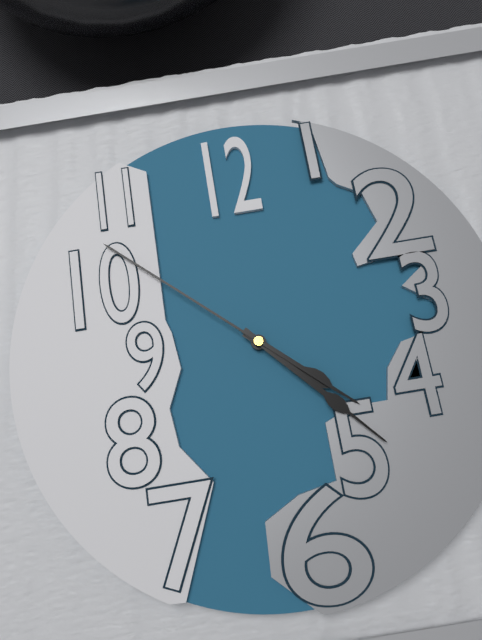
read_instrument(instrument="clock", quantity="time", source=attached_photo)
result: 4:23:52
